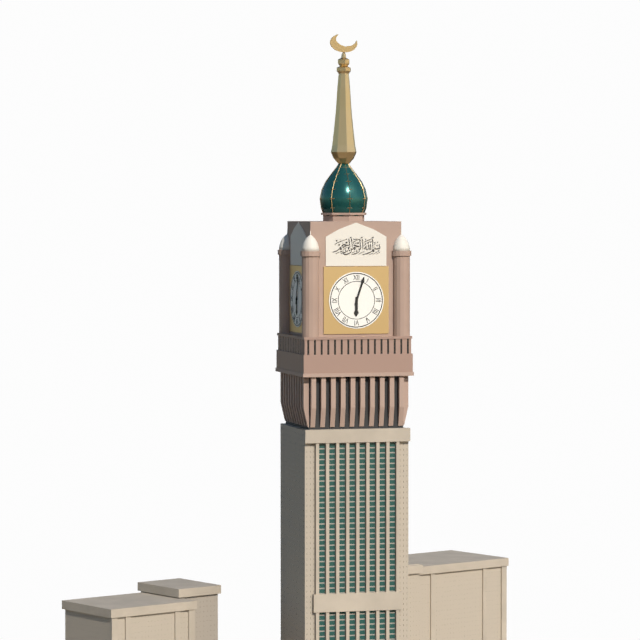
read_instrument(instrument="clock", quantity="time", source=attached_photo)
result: 6:03
